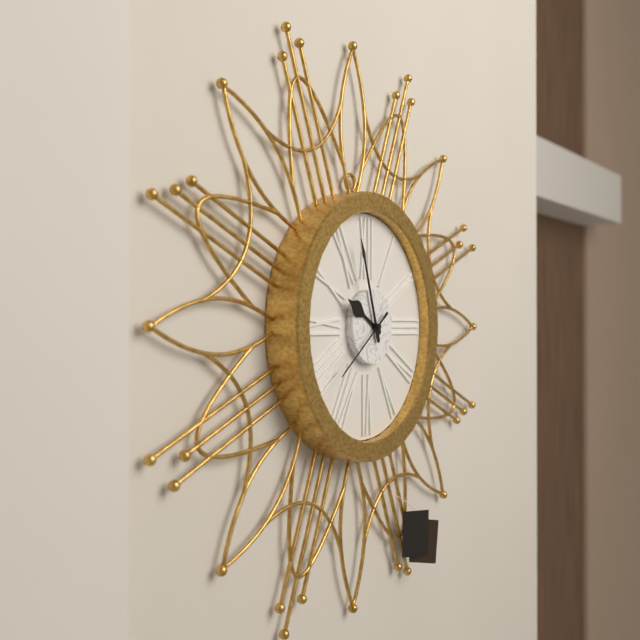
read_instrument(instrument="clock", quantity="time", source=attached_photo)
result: 9:57:39
